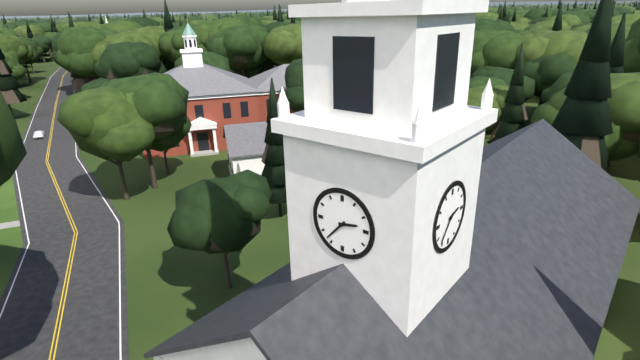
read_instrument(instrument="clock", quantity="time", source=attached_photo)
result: 2:37
